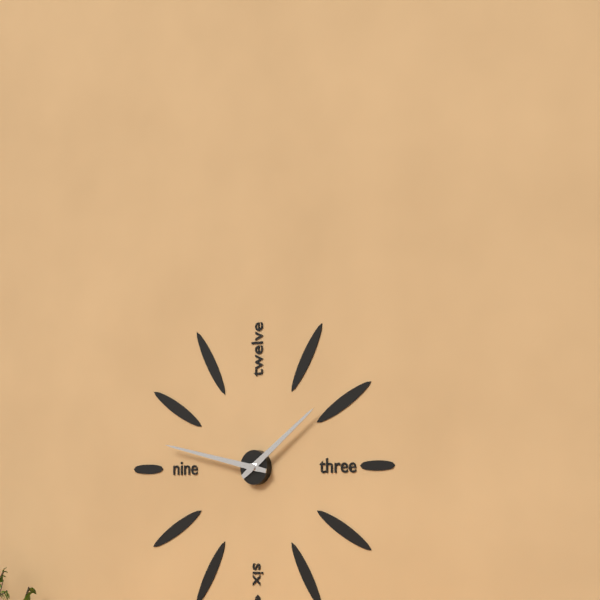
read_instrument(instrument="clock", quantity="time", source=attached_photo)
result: 1:47
